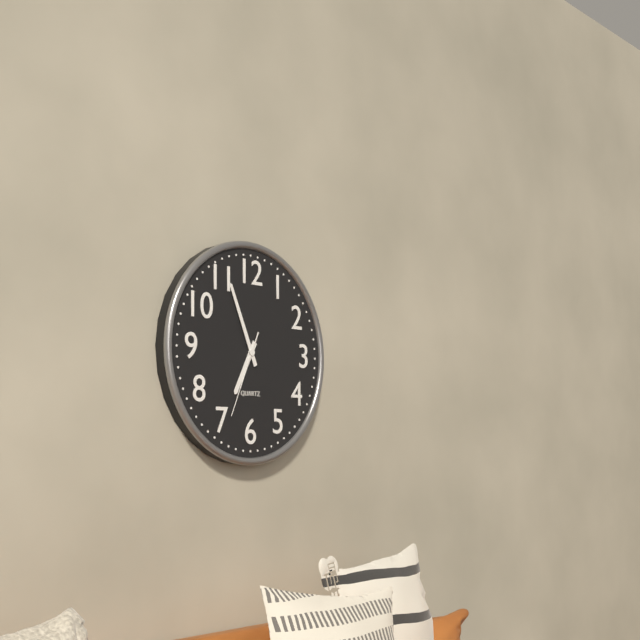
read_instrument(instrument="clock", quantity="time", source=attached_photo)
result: 6:56:34
